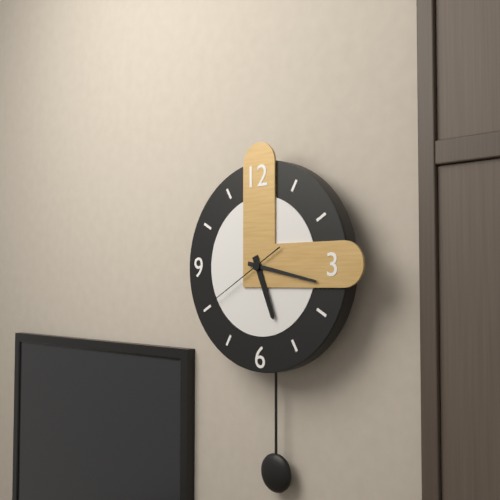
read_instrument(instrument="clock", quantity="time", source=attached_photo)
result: 5:17:40
